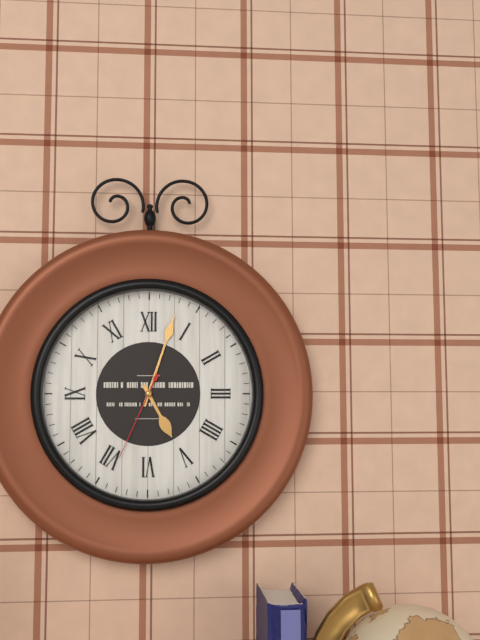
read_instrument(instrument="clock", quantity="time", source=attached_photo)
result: 5:03:34
